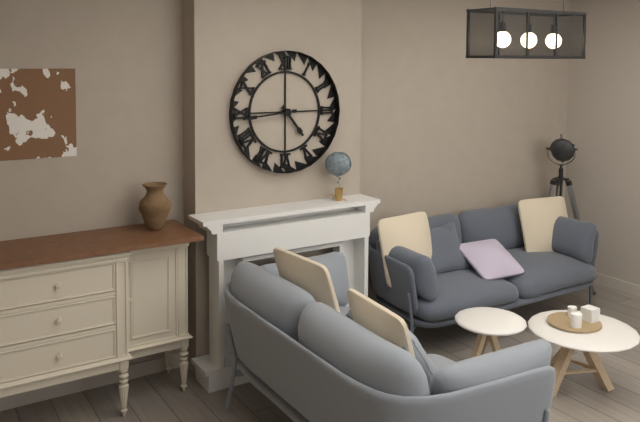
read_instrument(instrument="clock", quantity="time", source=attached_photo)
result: 4:44
